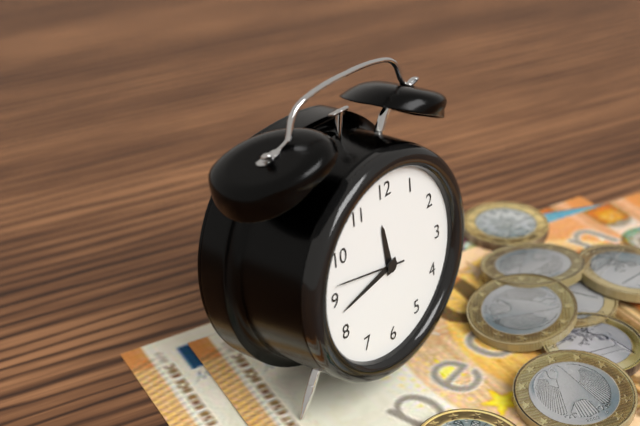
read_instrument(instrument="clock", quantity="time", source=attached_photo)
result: 11:43:47
